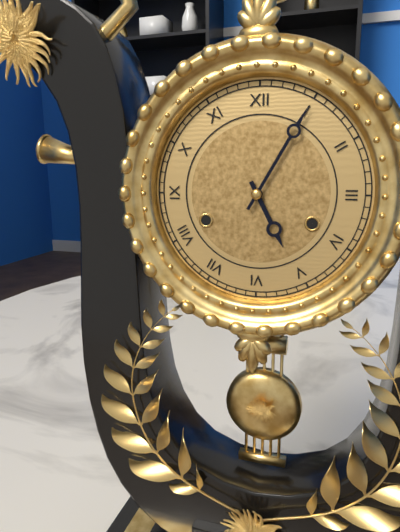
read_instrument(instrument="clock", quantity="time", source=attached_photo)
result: 5:05
